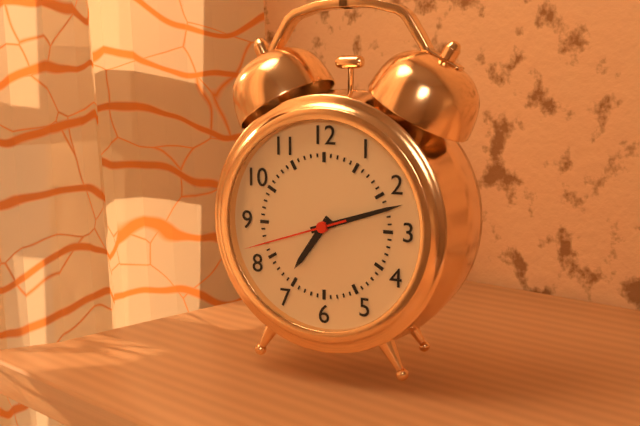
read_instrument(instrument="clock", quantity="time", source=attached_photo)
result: 7:12:42
